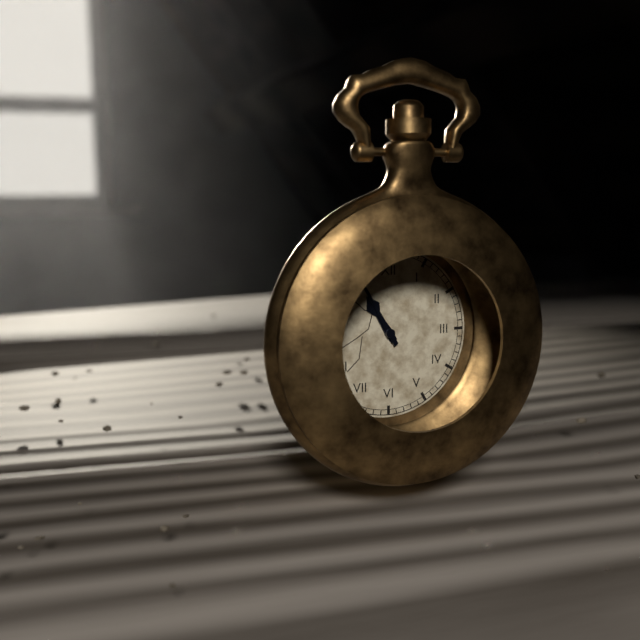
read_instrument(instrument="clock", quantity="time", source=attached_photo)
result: 10:55
